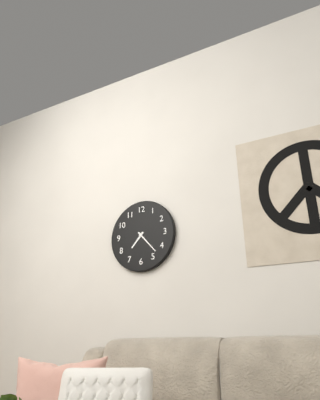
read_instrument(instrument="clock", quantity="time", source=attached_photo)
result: 7:23
